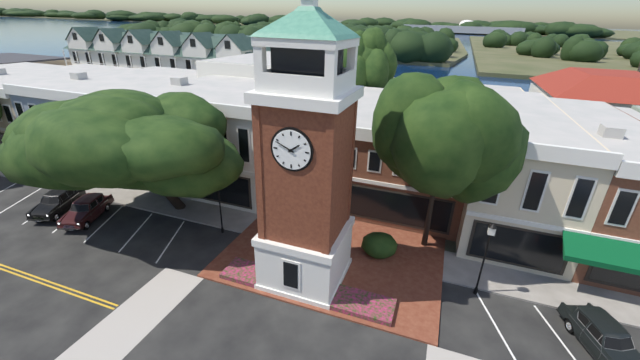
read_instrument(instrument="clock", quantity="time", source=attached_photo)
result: 1:49
